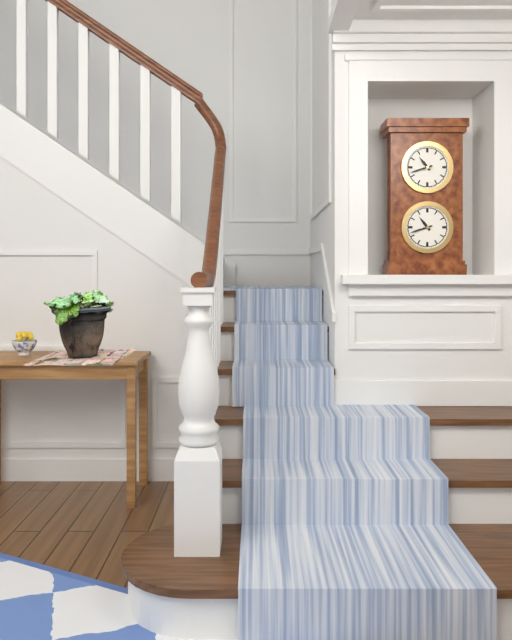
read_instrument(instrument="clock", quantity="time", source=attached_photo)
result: 10:42
